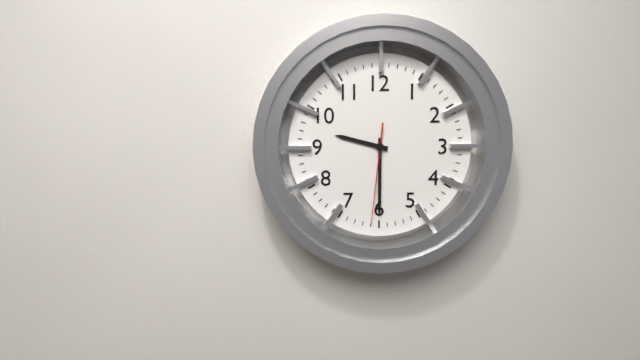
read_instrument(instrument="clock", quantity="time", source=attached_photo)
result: 9:30:31
